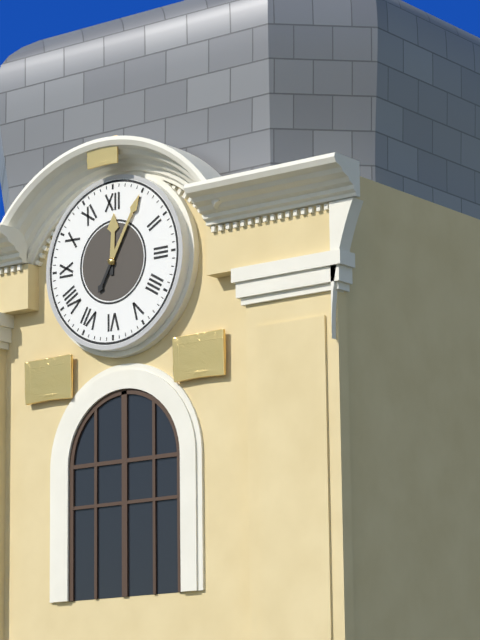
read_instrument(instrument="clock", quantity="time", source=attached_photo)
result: 12:05
